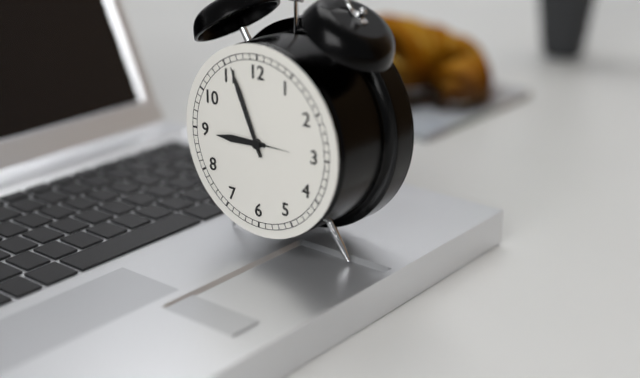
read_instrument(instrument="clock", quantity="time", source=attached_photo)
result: 8:56
